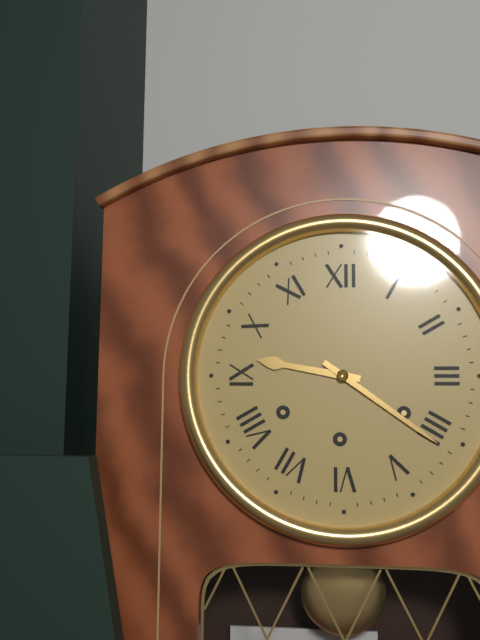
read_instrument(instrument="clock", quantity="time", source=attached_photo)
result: 9:21
